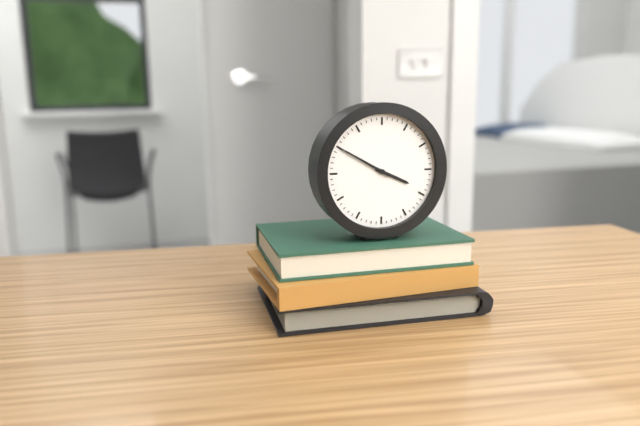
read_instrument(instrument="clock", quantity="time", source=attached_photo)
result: 3:50
